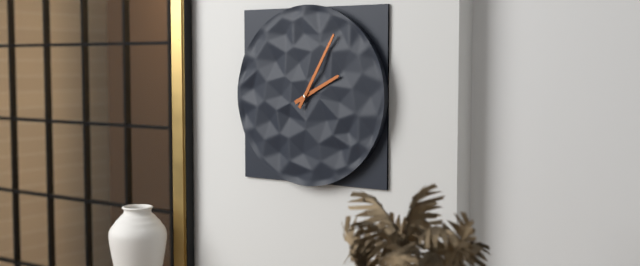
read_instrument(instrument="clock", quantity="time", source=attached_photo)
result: 2:05
